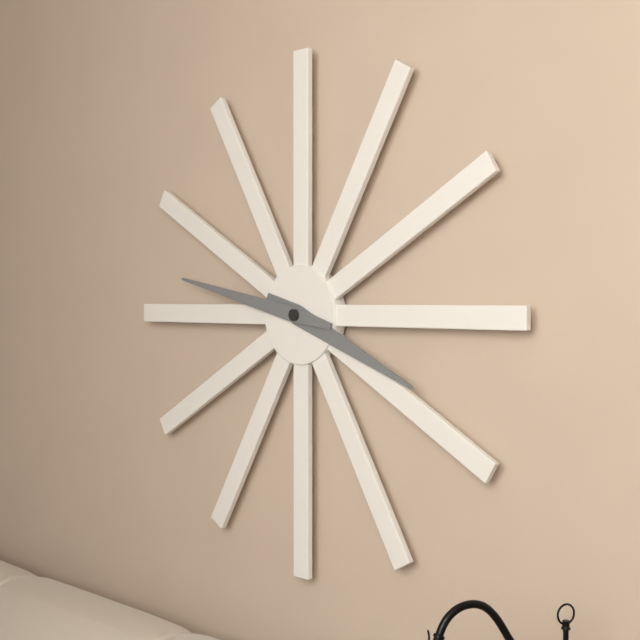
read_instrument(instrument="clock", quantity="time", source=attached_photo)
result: 3:47
